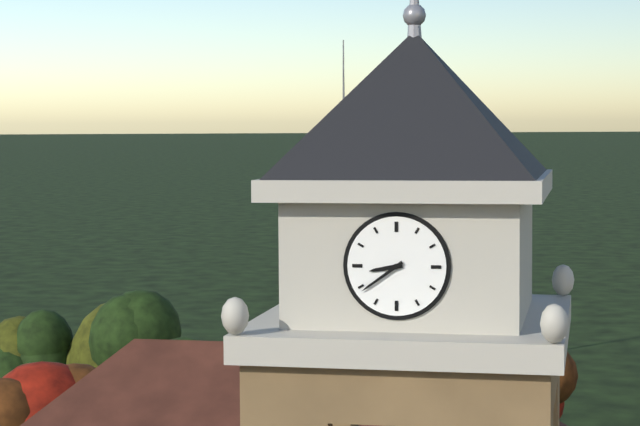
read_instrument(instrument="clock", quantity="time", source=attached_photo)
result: 8:39
